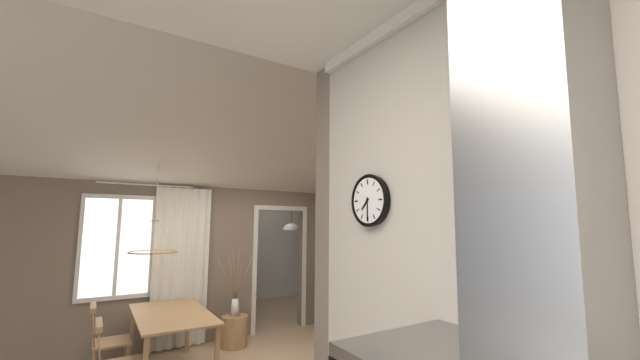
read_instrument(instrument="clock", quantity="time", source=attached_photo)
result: 7:30
